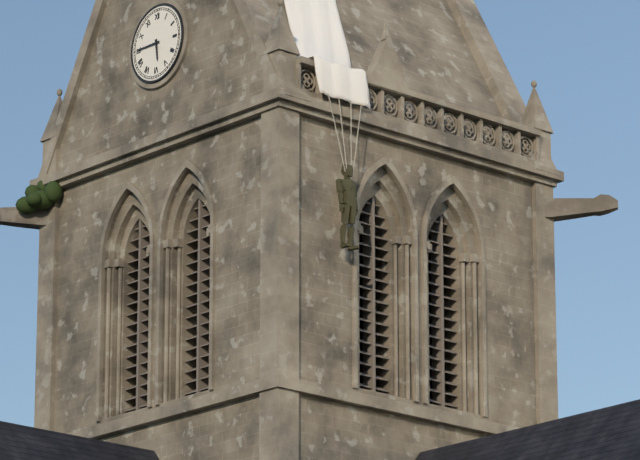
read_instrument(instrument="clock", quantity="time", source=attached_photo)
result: 5:45
